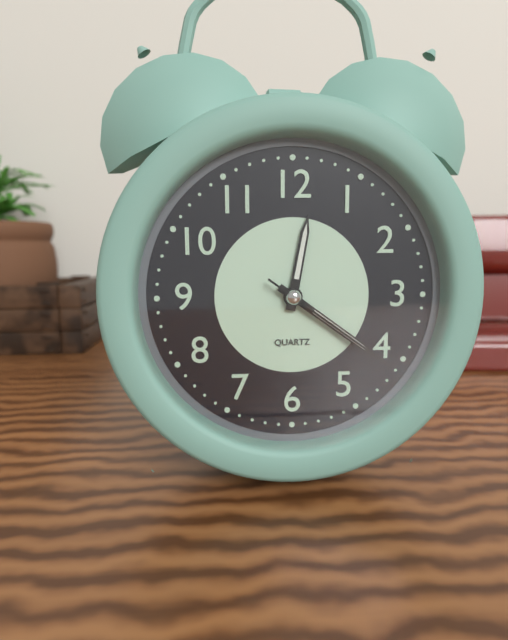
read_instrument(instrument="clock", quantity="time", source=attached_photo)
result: 12:21:21
